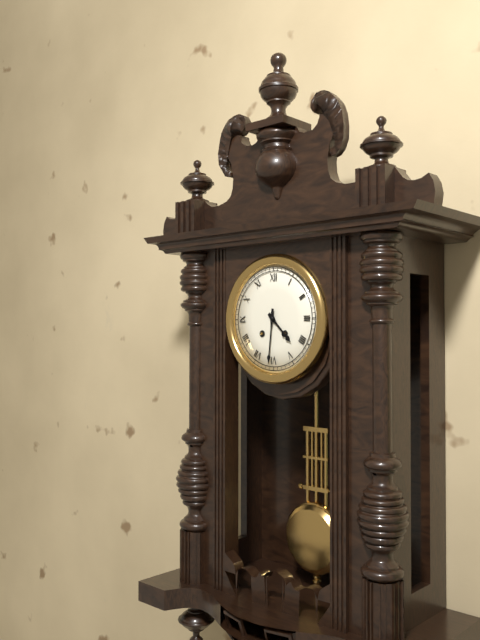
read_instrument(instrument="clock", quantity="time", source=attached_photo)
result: 4:31
